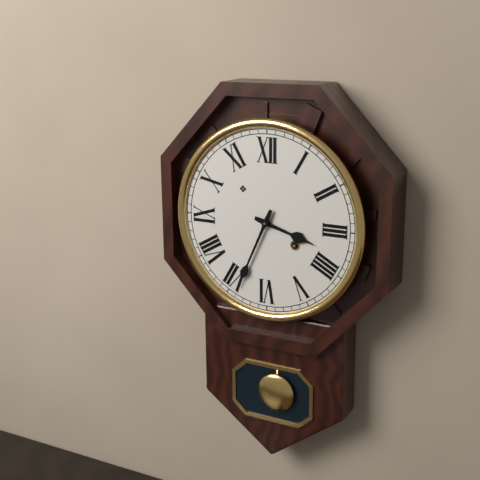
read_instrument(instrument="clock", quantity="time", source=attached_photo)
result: 3:34
